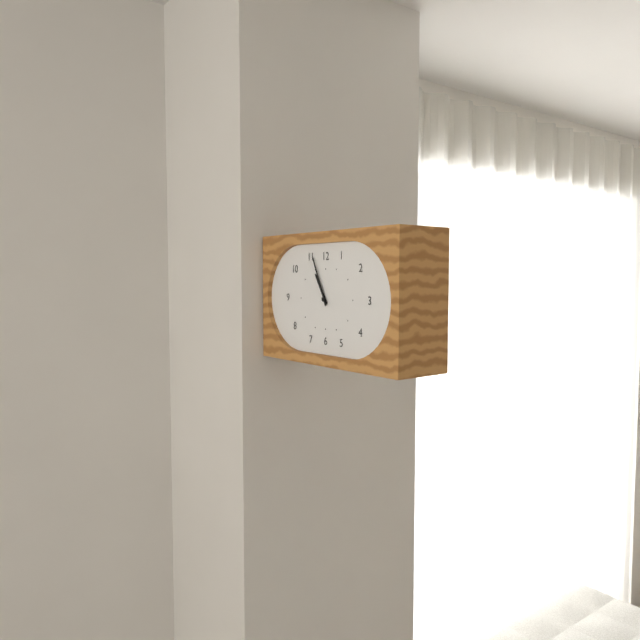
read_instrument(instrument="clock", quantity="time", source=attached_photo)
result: 10:56
